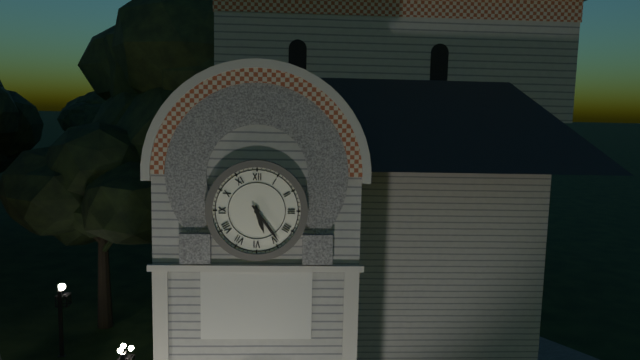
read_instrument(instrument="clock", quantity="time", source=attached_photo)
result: 5:24
